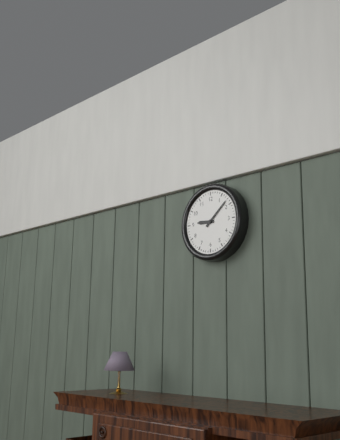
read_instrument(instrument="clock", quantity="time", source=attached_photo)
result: 9:08
